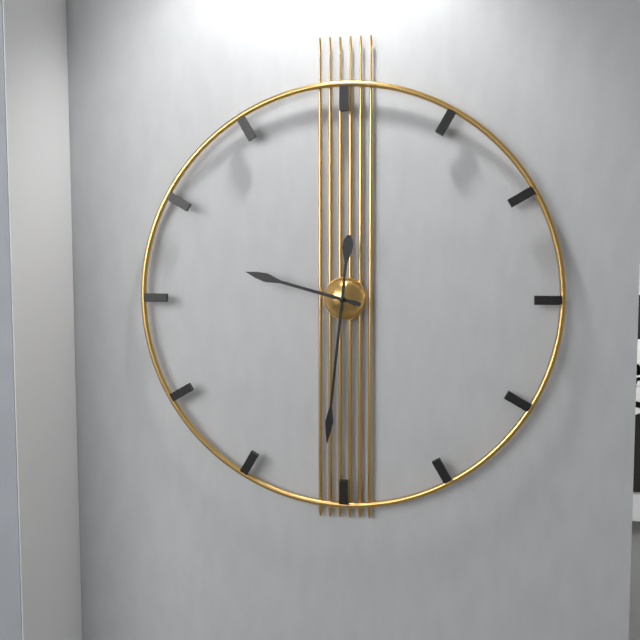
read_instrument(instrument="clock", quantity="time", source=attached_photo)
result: 9:31
